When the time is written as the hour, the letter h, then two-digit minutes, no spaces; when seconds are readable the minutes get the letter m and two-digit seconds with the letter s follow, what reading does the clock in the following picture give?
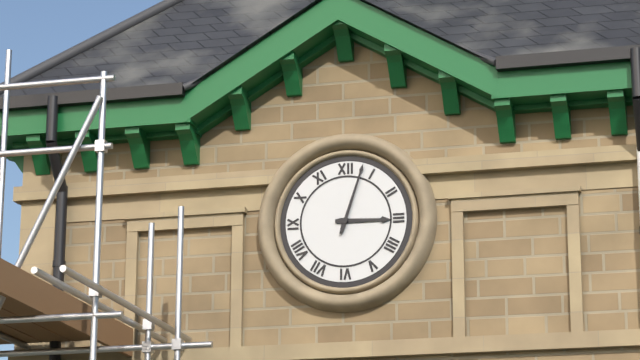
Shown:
3h03
